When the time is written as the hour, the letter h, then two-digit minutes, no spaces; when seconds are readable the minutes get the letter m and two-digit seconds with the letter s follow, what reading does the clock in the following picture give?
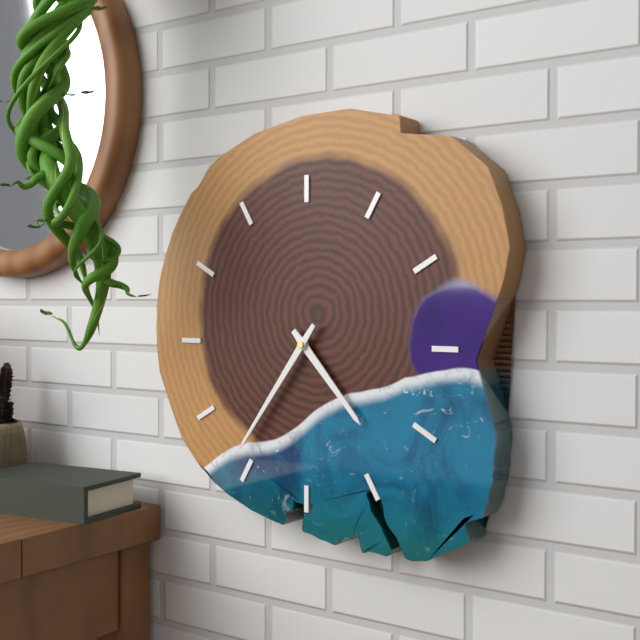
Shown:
4h36
